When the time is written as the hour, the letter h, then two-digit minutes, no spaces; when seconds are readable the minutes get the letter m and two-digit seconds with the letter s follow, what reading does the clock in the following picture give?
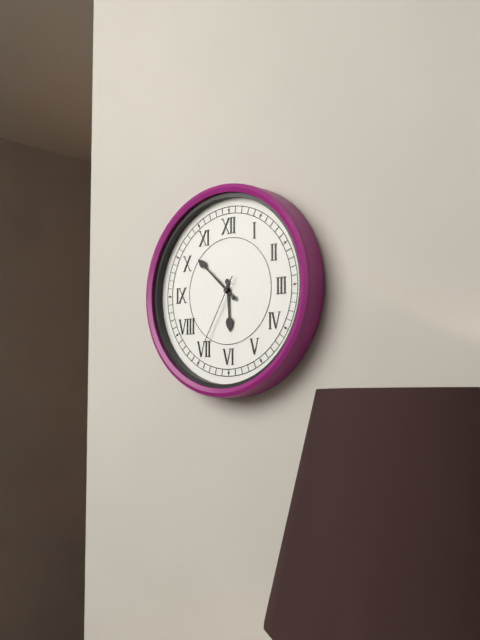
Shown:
5h52m35s
